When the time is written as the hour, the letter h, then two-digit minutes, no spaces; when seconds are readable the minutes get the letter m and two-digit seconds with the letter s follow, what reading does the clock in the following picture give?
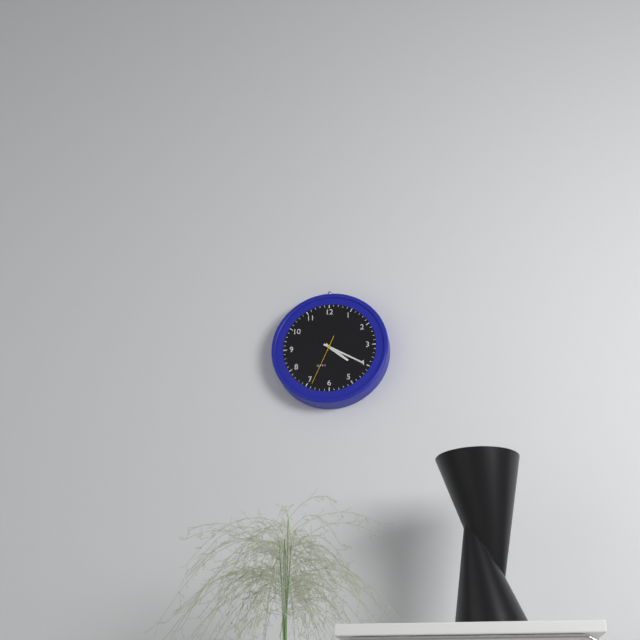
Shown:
4h20m34s
